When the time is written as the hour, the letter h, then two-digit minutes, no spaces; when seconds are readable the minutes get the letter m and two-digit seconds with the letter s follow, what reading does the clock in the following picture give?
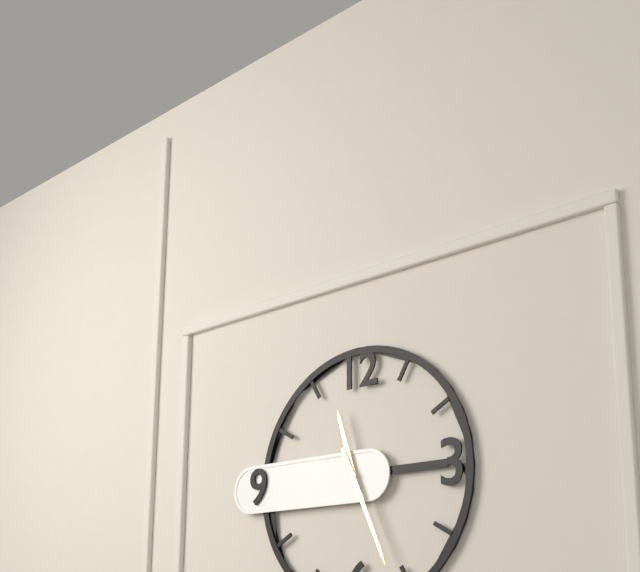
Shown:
11h26
